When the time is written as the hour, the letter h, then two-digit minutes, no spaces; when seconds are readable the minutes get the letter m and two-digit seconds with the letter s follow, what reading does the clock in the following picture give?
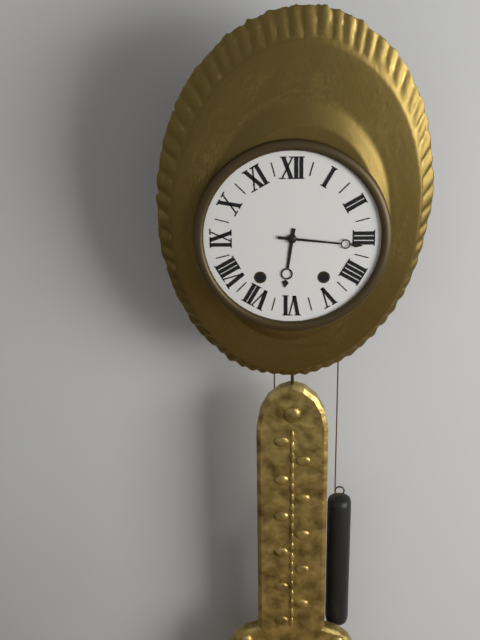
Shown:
6h16
